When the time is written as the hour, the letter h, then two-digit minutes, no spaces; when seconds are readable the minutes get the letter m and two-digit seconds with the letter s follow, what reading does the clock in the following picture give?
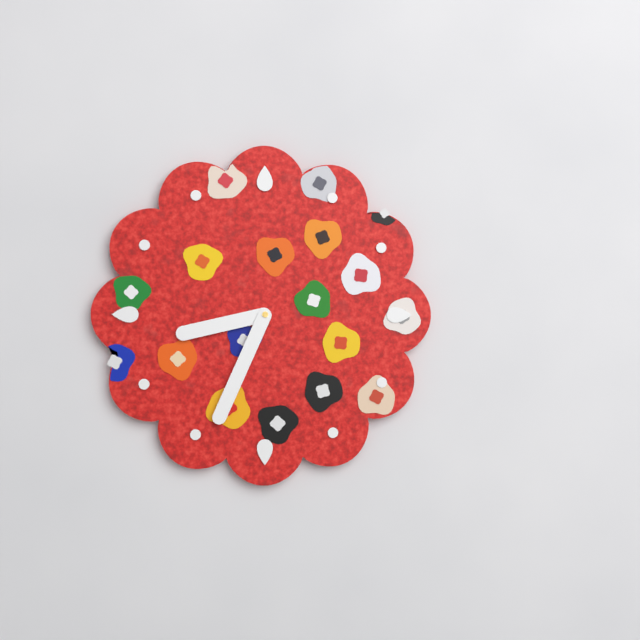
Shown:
8h34
